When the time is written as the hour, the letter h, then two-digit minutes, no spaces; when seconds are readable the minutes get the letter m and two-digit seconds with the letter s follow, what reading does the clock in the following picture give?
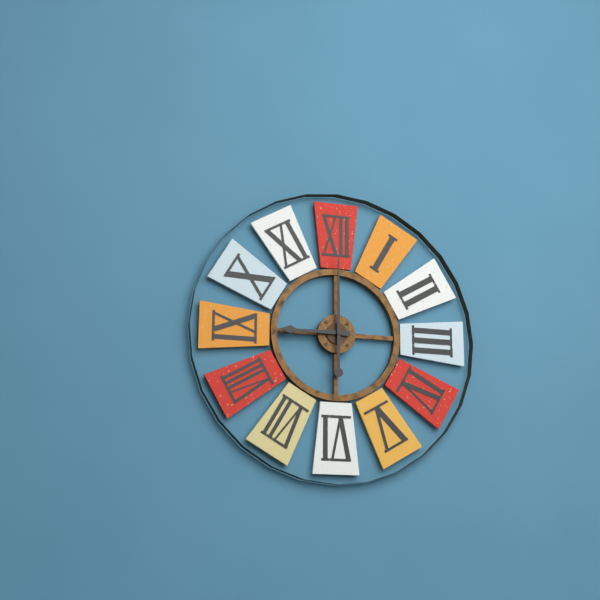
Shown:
9h00
